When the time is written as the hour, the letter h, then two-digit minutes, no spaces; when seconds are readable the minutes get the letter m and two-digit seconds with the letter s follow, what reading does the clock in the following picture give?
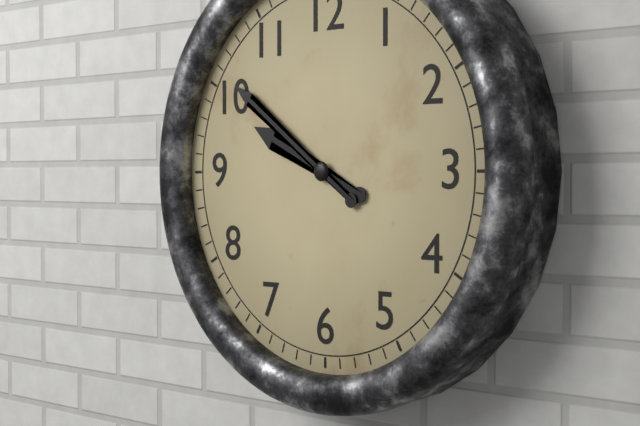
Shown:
9h51
